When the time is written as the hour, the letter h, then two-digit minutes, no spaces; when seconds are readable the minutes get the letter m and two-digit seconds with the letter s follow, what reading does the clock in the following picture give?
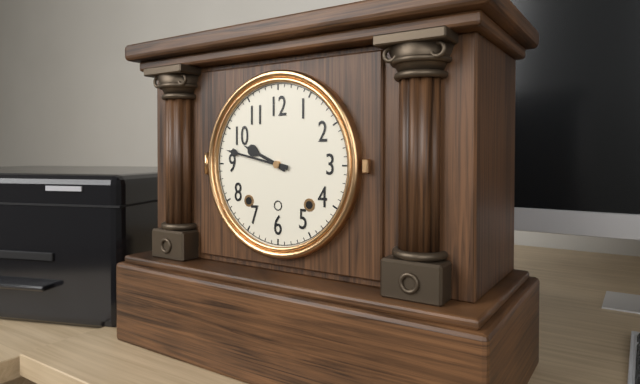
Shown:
9h47
